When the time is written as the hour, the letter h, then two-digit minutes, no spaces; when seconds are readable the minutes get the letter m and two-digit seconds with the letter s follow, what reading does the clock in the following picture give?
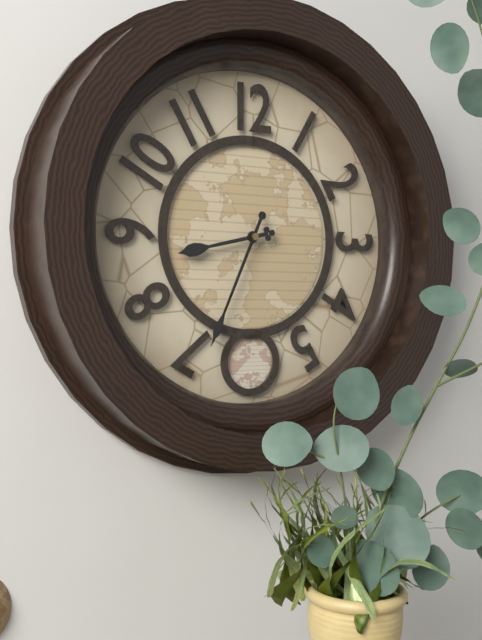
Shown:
8h34
